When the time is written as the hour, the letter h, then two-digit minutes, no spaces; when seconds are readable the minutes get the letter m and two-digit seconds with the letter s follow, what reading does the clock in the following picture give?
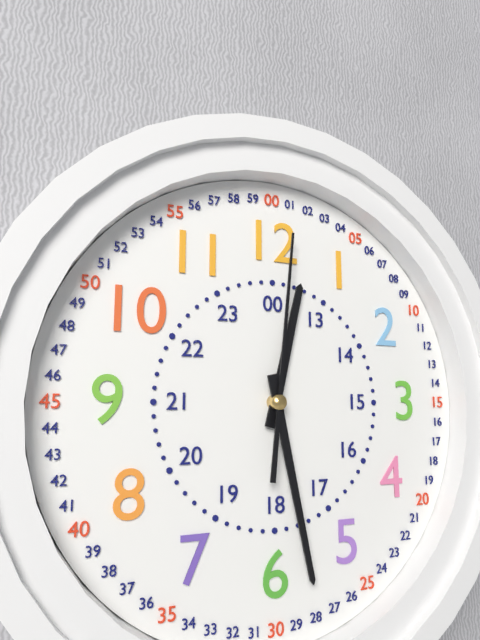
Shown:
12h28m01s
